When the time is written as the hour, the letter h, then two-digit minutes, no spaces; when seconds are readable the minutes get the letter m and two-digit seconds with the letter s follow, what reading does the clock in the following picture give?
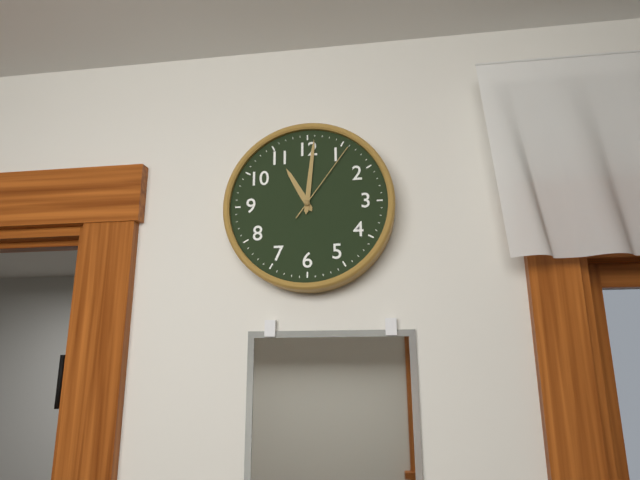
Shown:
11h01m06s
